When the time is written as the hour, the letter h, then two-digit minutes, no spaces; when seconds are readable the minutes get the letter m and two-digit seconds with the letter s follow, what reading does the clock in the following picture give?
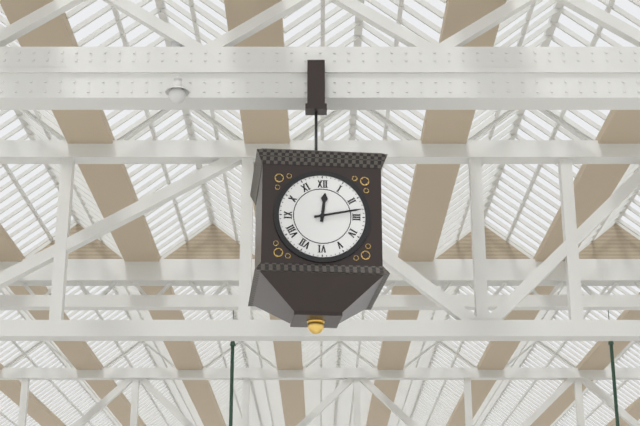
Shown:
12h13
